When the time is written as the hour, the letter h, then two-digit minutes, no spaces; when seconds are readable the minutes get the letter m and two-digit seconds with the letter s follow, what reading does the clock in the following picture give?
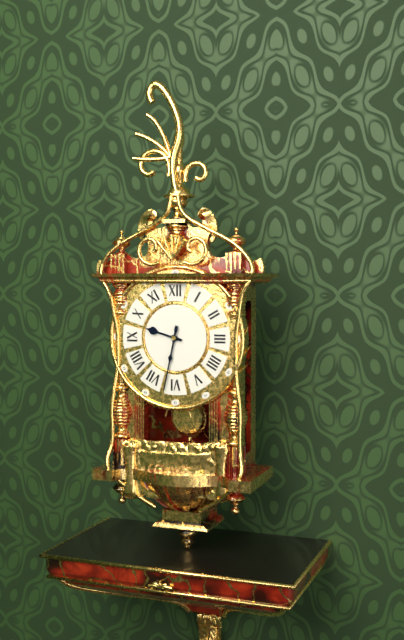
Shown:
9h32
